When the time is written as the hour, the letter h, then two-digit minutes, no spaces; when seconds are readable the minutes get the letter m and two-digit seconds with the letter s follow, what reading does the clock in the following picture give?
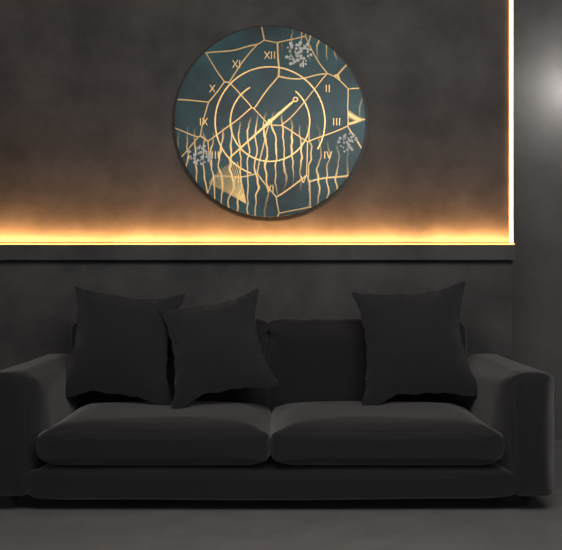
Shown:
1h38
